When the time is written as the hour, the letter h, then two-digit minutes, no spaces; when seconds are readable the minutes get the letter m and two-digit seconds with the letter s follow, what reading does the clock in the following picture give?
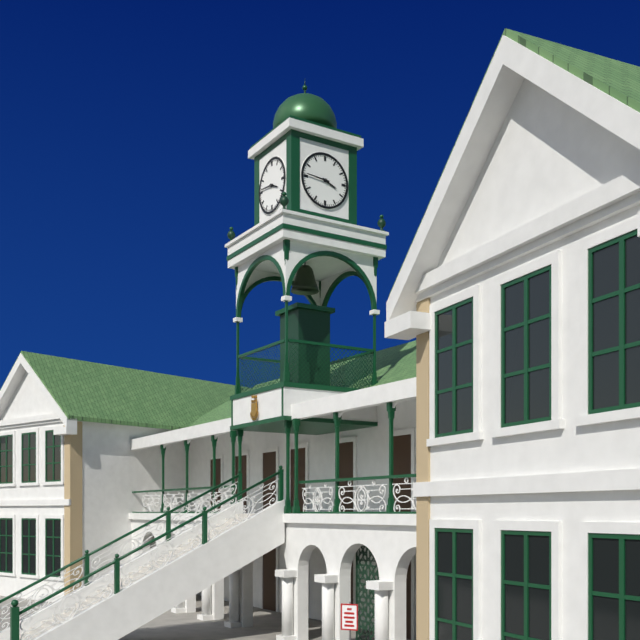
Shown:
3h46
